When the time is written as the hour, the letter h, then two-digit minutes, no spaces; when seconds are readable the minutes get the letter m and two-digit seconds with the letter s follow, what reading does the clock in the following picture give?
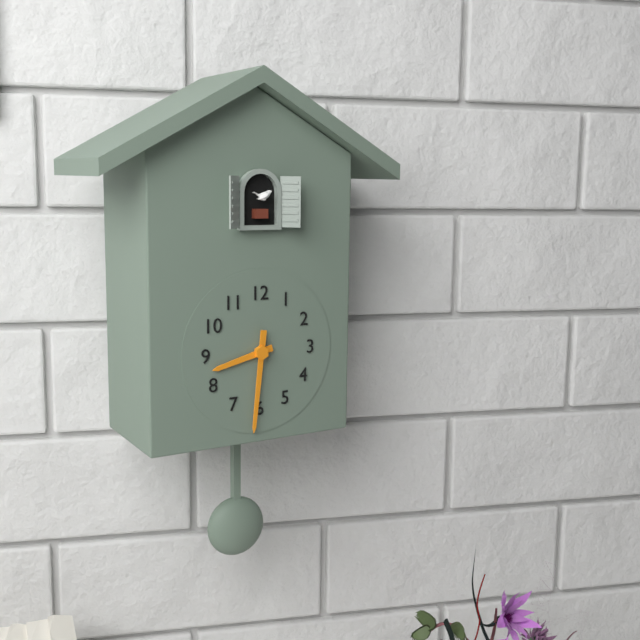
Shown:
8h31
